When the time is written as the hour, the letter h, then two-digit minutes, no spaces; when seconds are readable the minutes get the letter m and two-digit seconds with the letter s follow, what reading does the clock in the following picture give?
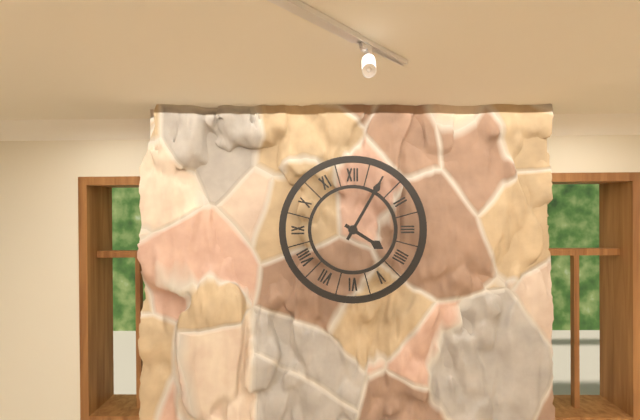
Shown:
4h05
